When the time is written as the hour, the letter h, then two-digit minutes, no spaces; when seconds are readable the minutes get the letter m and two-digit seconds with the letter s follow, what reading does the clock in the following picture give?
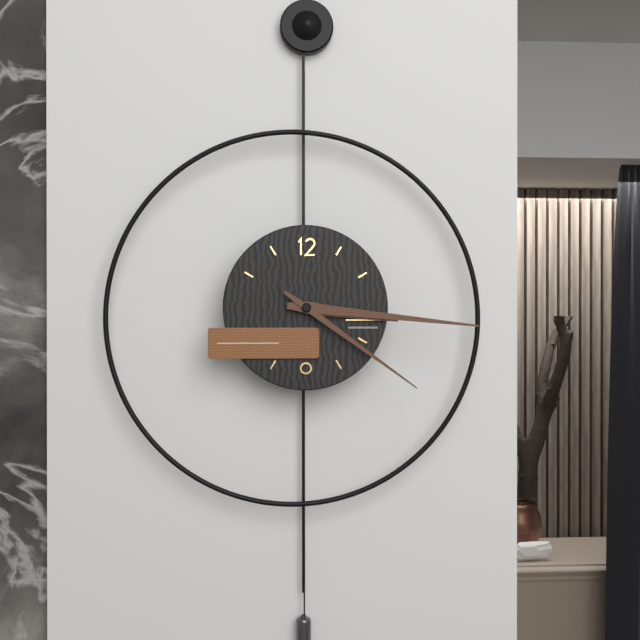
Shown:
3h16m21s
